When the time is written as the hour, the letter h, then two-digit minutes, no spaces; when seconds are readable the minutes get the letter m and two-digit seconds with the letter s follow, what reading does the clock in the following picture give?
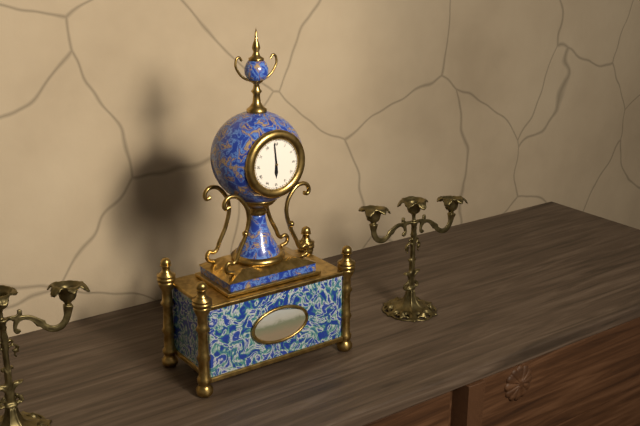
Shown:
5h59
